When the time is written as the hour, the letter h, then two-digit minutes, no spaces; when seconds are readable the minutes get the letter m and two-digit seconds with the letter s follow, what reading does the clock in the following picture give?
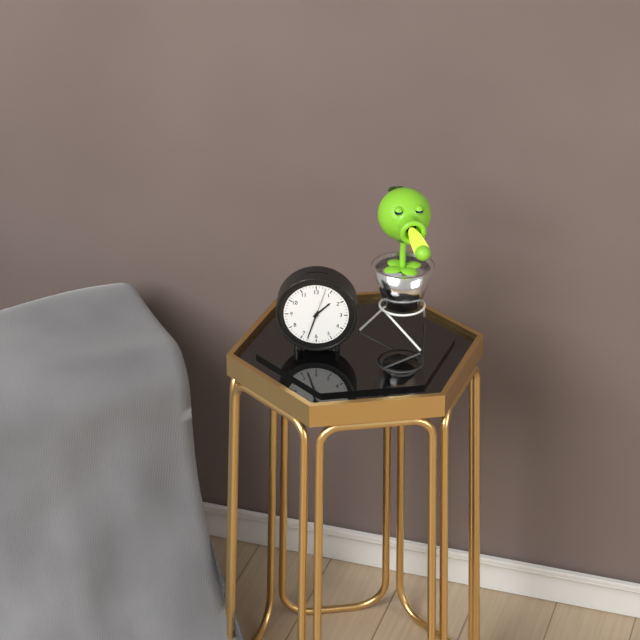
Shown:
1h33
